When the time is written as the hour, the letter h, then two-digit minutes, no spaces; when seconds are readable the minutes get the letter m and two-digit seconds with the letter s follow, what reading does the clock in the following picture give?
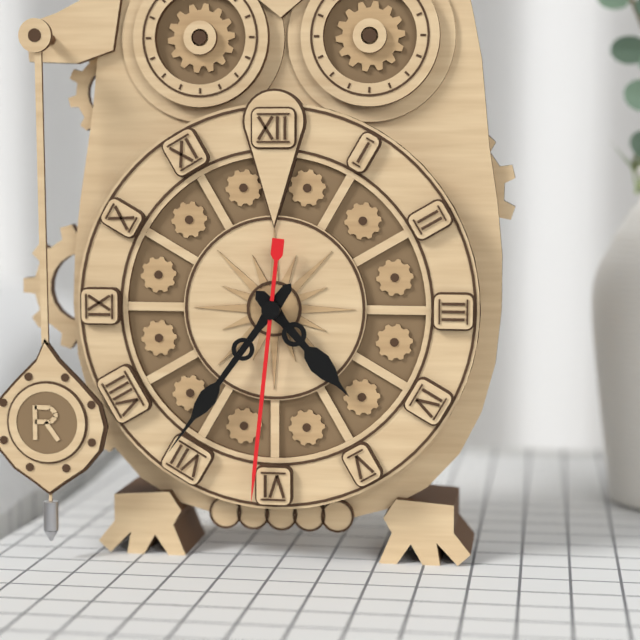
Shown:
4h36m31s
